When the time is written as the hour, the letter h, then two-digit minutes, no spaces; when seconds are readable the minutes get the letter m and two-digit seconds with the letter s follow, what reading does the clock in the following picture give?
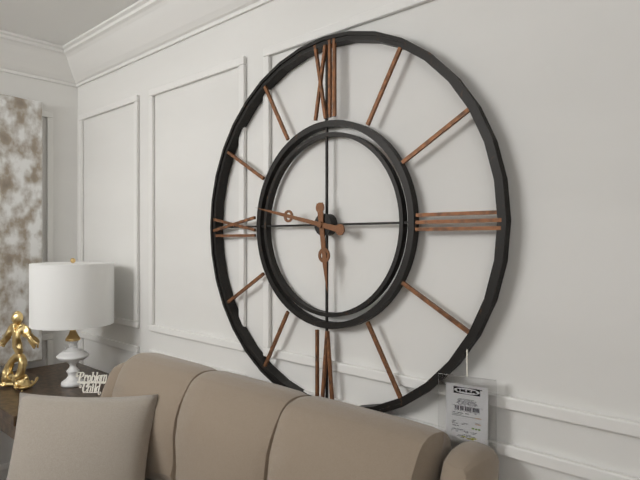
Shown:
5h47
